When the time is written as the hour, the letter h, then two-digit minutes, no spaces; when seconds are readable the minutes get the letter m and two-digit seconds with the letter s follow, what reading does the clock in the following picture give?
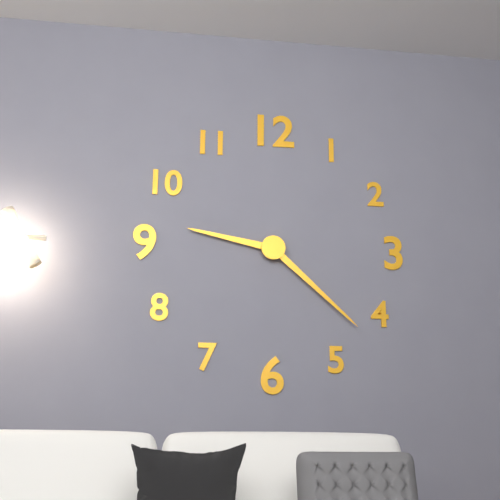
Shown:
9h22
